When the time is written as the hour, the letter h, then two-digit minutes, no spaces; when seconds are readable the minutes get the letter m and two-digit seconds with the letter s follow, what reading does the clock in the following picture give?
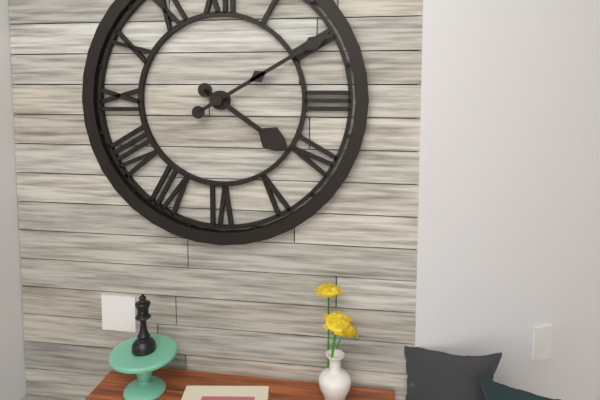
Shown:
4h10
